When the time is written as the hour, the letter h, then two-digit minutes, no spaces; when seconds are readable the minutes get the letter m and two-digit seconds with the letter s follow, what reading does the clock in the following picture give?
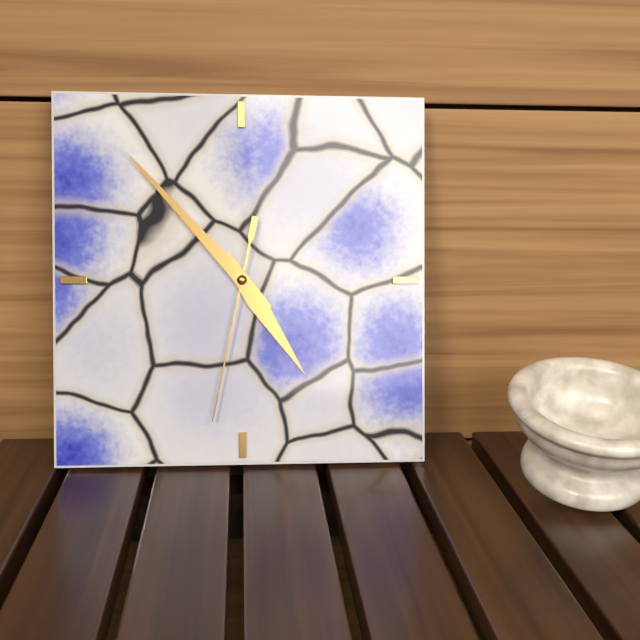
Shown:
4h53m32s
